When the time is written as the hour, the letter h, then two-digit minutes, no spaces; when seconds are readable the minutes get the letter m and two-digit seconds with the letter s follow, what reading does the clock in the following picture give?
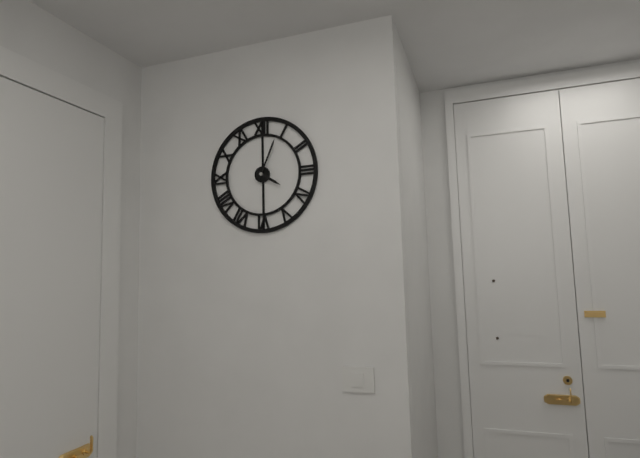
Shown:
4h04
